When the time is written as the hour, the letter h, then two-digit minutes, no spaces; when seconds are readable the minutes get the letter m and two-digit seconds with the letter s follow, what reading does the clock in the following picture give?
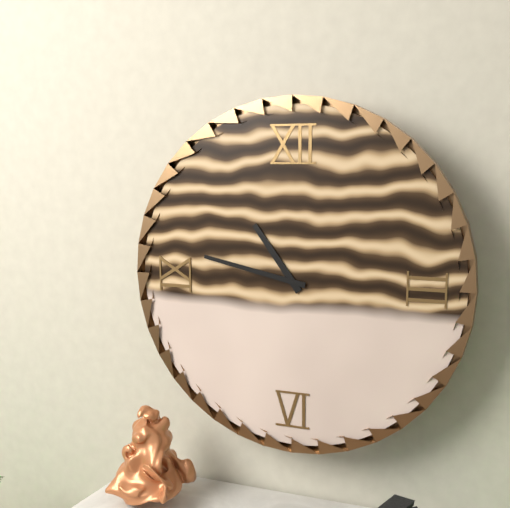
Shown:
10h47
